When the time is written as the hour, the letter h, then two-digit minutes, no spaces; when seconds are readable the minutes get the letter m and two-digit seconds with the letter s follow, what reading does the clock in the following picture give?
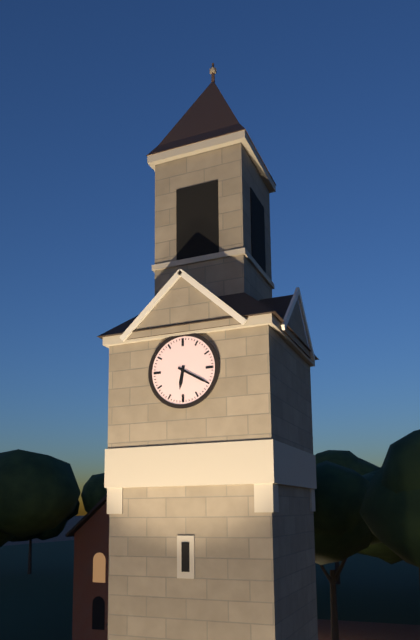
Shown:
6h20
